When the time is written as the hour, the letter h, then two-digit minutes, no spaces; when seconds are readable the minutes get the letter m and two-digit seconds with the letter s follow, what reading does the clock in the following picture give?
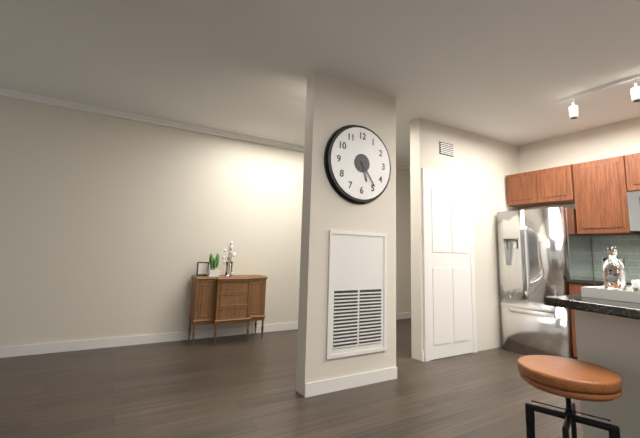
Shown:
5h24
